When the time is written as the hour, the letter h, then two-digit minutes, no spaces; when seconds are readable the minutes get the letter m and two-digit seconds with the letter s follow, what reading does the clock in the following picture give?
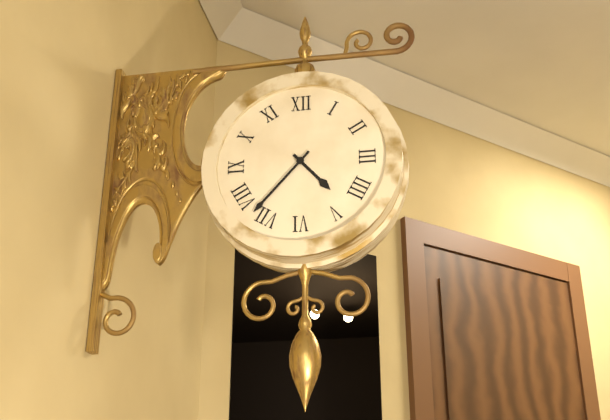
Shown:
4h37
